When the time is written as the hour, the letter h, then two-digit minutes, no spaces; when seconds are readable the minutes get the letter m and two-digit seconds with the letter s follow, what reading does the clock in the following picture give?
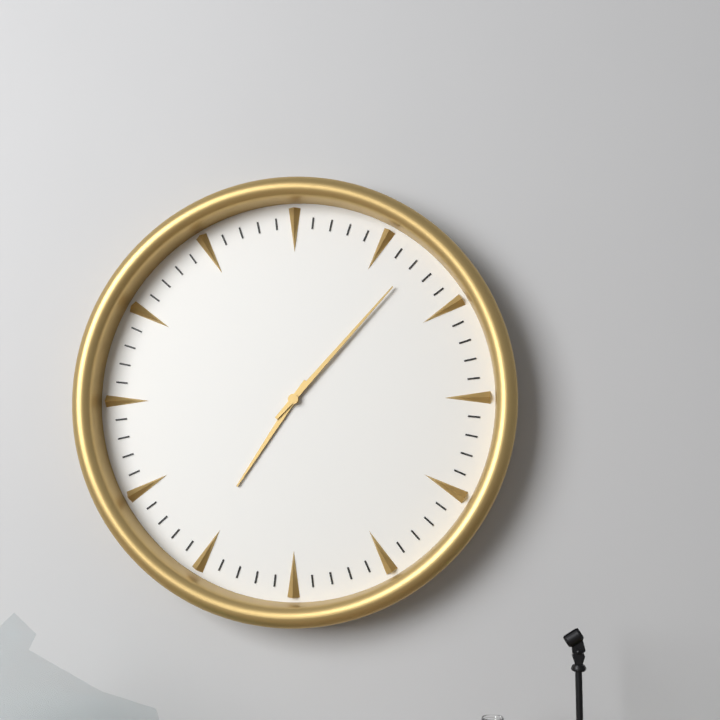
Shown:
7h07
